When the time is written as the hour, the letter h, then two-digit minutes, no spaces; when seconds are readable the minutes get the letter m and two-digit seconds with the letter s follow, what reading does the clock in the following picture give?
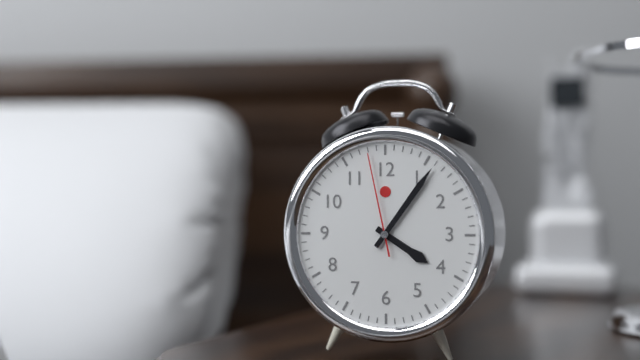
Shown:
4h06m58s
